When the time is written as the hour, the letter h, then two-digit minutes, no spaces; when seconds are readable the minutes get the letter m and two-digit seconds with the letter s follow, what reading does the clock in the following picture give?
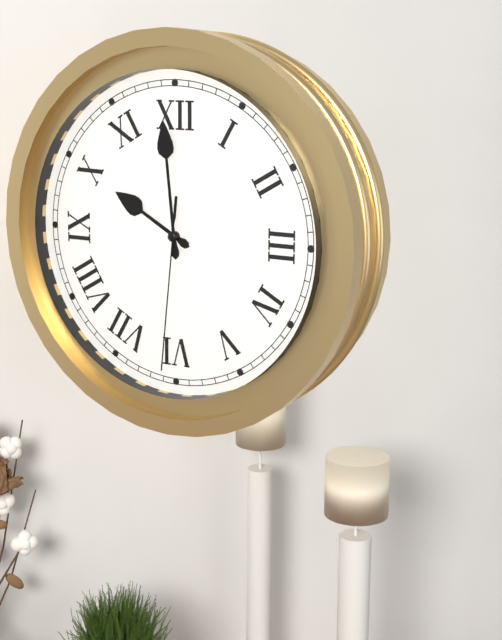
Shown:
9h59m31s
